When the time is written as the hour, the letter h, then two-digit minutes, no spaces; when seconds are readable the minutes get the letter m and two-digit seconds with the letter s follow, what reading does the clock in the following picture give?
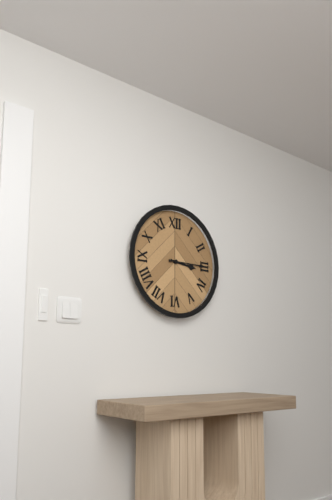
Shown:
3h15
